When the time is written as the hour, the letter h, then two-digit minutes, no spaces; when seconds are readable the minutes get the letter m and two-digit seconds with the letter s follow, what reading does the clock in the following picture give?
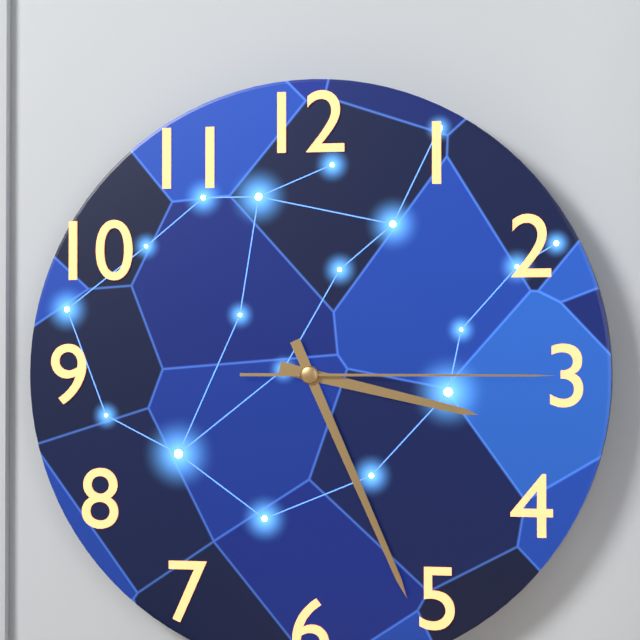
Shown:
3h26m15s
